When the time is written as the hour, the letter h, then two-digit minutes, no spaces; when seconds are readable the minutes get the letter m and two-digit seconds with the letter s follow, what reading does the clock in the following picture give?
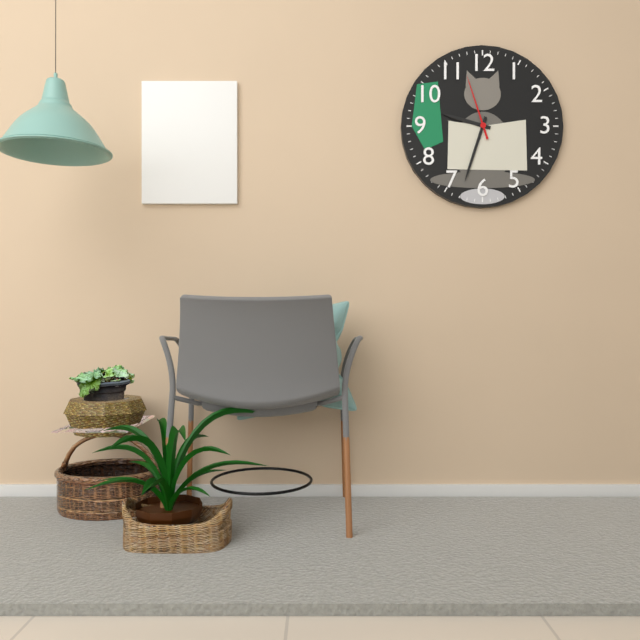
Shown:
9h33m57s
